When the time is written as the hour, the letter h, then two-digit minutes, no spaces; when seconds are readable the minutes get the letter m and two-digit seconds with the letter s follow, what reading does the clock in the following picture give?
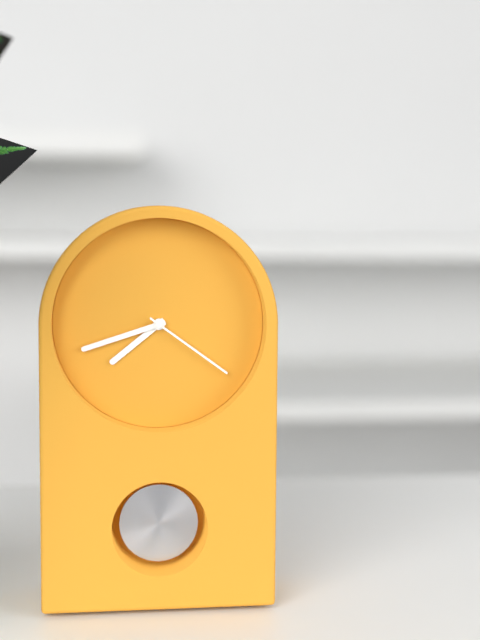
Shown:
7h42m21s
